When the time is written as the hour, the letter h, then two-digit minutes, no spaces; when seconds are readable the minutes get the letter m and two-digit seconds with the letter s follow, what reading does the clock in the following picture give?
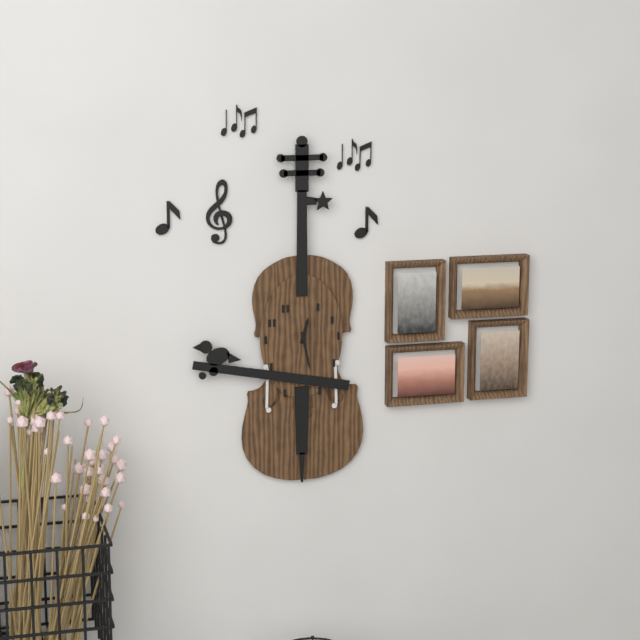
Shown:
12h28
